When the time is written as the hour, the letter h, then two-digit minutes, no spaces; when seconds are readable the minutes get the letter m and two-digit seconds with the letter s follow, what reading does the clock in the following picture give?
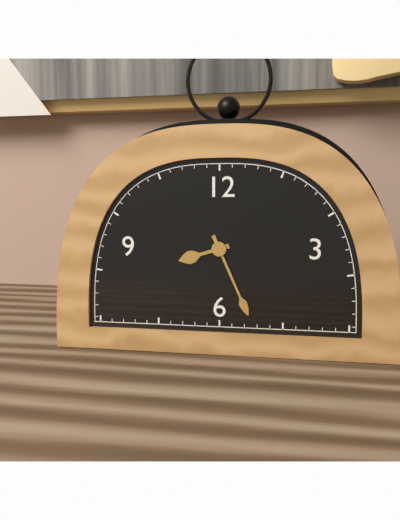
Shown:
8h26
